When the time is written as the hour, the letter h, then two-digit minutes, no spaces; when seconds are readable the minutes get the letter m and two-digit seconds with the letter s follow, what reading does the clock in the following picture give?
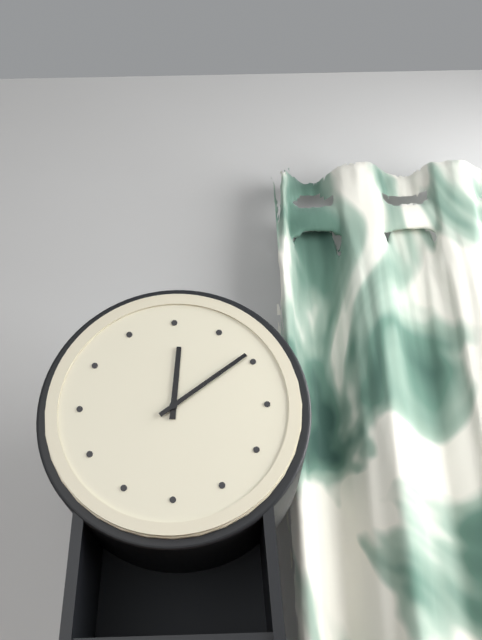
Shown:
12h09
